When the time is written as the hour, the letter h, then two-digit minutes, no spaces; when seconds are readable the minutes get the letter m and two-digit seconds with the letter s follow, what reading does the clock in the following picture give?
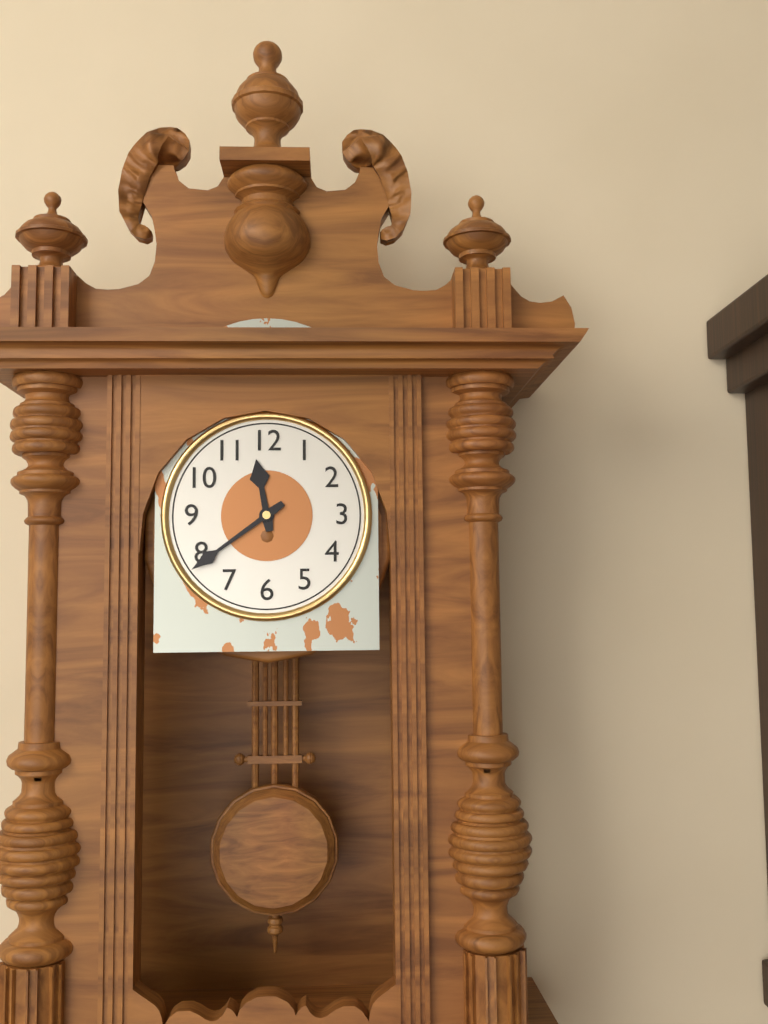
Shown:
11h39
